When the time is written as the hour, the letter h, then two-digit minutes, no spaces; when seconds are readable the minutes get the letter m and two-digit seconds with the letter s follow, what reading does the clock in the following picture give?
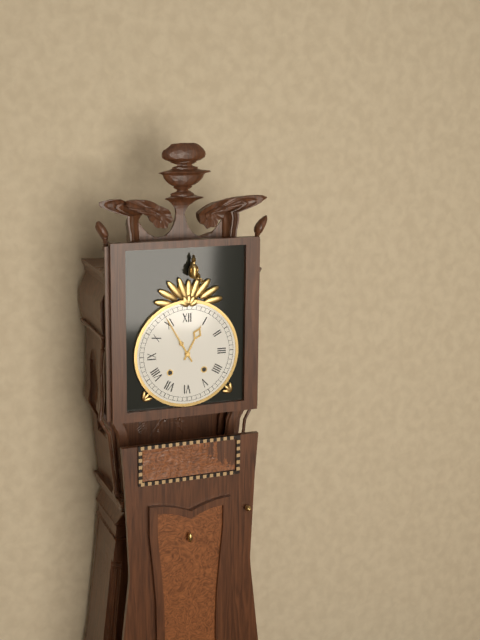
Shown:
12h55
